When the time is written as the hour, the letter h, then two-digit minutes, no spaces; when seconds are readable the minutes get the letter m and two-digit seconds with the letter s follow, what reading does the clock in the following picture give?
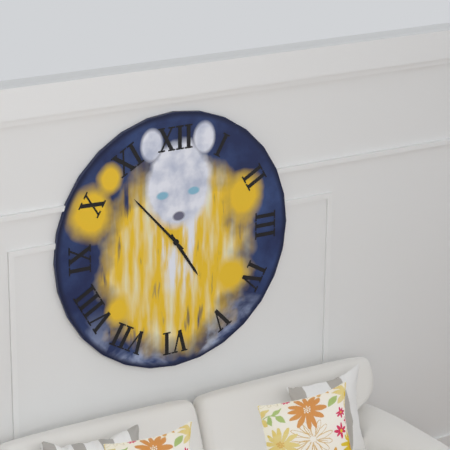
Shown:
4h53
